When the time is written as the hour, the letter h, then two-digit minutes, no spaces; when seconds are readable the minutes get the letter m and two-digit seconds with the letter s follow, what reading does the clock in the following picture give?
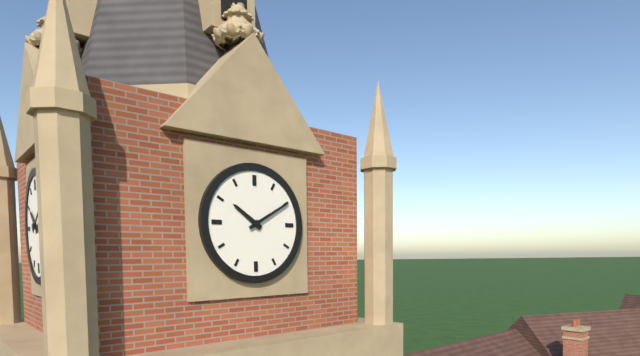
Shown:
10h10
